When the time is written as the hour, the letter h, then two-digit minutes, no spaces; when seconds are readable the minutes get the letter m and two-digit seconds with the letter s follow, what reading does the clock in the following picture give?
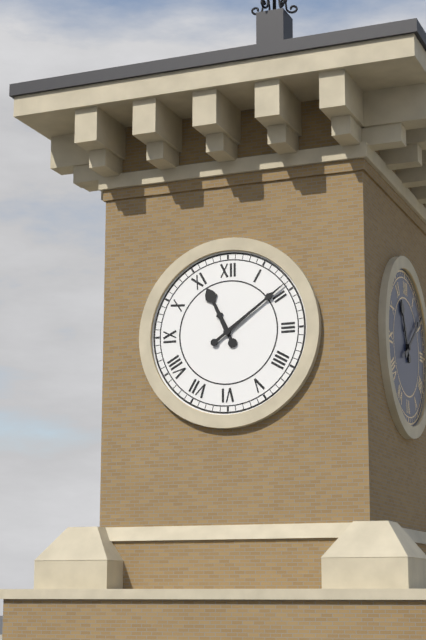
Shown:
11h09
